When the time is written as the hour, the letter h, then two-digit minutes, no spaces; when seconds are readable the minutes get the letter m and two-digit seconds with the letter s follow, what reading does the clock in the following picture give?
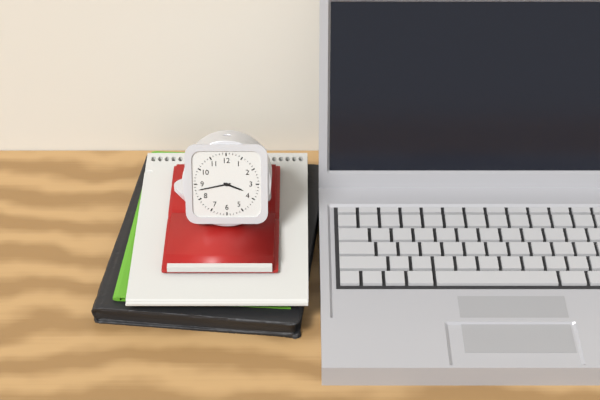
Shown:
3h43
